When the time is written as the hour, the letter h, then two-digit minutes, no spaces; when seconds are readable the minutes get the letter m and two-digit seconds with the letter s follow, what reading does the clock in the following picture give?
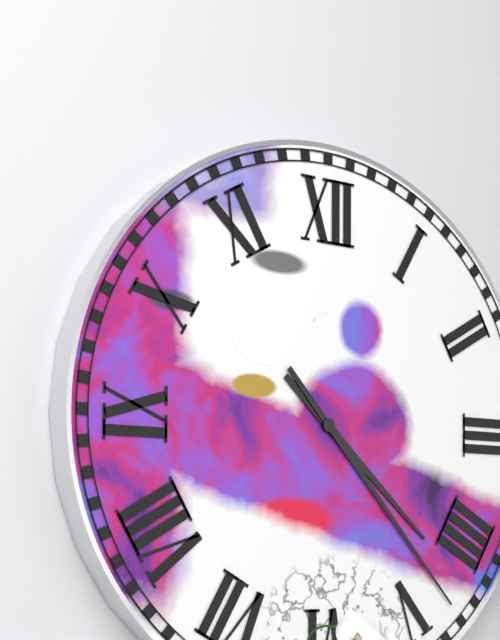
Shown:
4h23
